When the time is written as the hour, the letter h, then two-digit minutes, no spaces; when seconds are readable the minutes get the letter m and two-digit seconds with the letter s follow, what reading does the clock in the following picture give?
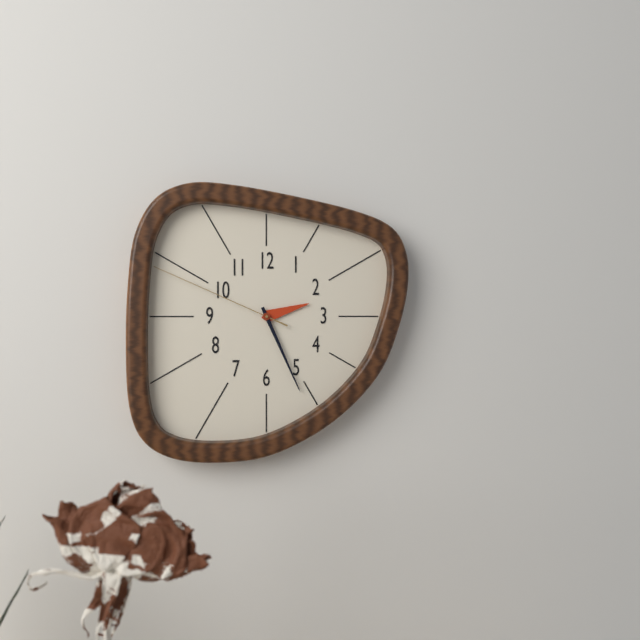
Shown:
2h26m49s
